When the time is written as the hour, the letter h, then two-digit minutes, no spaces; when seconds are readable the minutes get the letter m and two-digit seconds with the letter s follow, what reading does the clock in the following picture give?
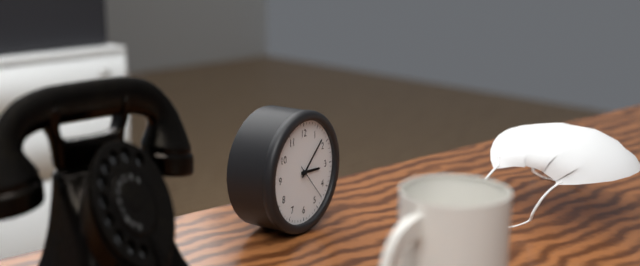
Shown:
3h08
